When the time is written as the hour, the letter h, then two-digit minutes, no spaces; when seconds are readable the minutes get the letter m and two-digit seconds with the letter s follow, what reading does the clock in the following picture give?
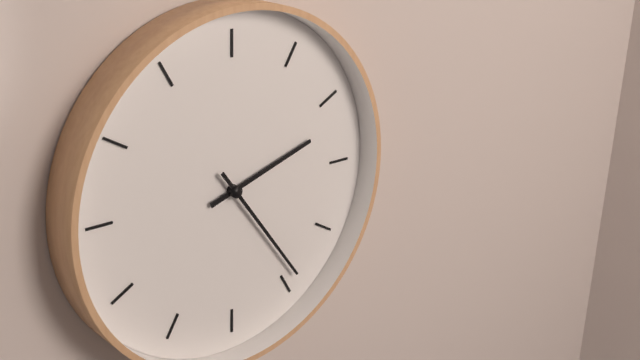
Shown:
2h24
